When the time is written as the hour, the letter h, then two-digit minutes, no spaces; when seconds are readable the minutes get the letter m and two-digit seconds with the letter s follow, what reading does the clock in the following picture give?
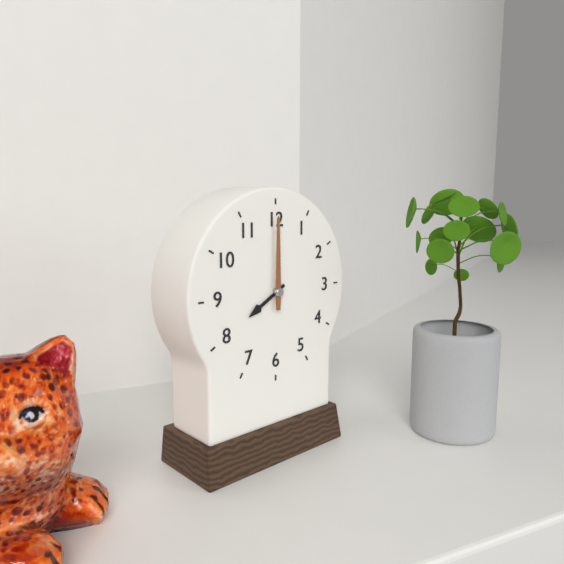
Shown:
8h00
